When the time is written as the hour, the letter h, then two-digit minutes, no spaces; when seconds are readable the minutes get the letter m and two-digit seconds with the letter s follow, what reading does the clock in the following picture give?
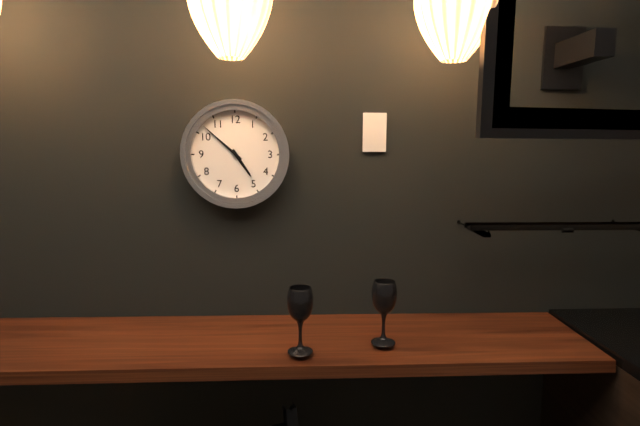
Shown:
4h52
